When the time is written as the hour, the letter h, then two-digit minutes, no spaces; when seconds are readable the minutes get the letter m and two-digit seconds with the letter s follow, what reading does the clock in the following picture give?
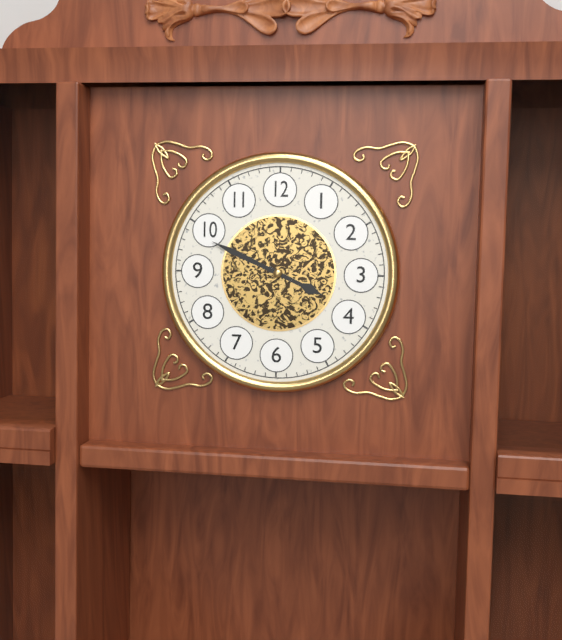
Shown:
3h49
